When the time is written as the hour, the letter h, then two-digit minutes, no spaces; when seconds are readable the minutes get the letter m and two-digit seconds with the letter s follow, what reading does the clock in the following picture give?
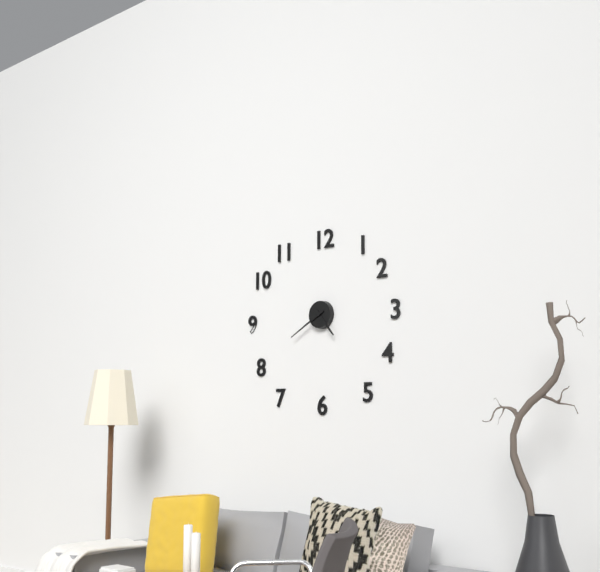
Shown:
4h40
